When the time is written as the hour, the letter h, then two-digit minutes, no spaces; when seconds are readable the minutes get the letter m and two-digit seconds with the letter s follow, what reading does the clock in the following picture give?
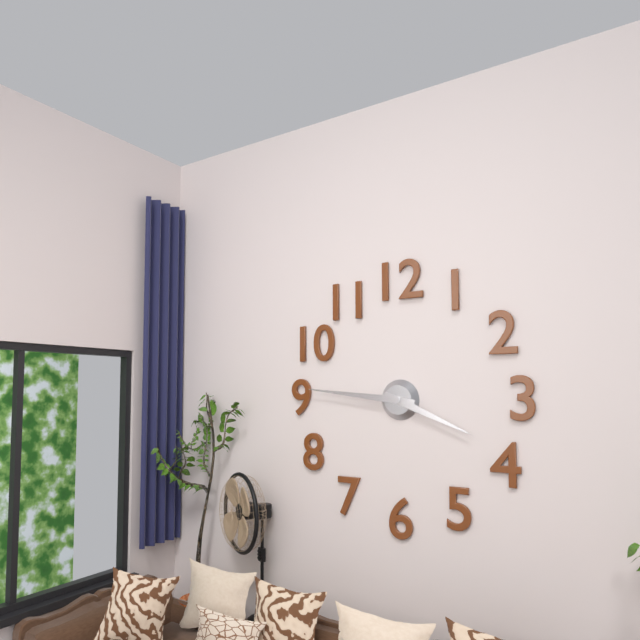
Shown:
3h46
